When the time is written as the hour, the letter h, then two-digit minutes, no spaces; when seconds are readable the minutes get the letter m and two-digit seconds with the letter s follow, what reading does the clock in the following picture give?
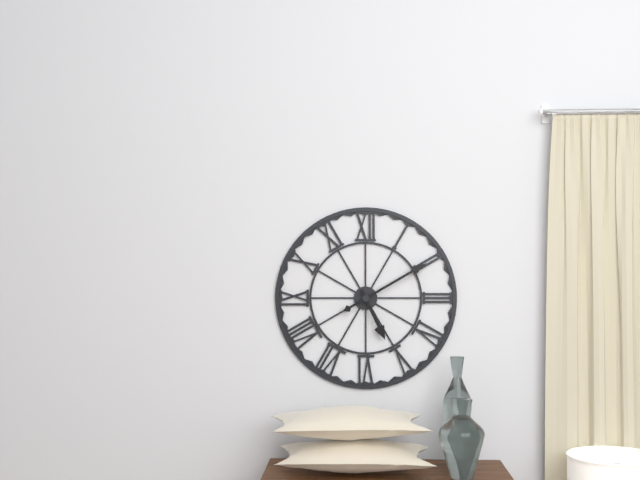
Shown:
5h10
